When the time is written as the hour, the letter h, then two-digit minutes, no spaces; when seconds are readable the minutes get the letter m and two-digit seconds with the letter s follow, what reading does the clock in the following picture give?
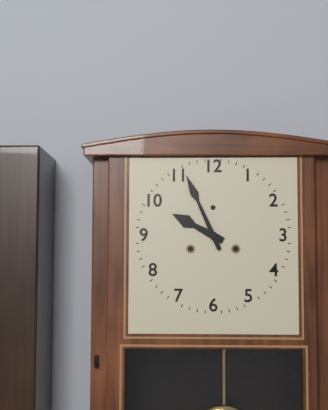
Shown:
9h56
